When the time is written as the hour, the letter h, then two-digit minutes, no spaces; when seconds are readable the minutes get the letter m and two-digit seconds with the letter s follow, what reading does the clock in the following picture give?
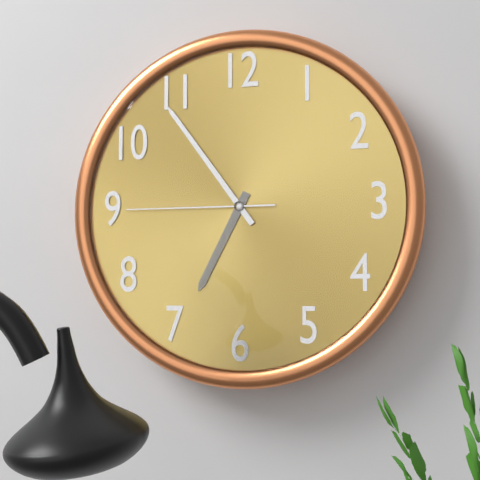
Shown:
6h54m45s
